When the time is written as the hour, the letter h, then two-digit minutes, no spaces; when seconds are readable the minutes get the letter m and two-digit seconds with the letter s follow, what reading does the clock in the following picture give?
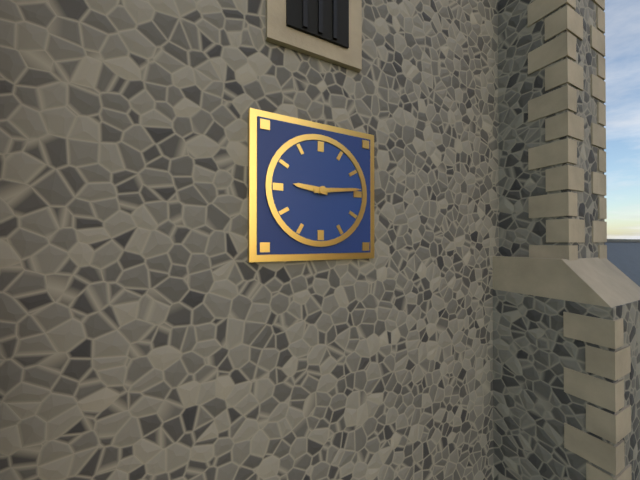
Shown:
9h14
